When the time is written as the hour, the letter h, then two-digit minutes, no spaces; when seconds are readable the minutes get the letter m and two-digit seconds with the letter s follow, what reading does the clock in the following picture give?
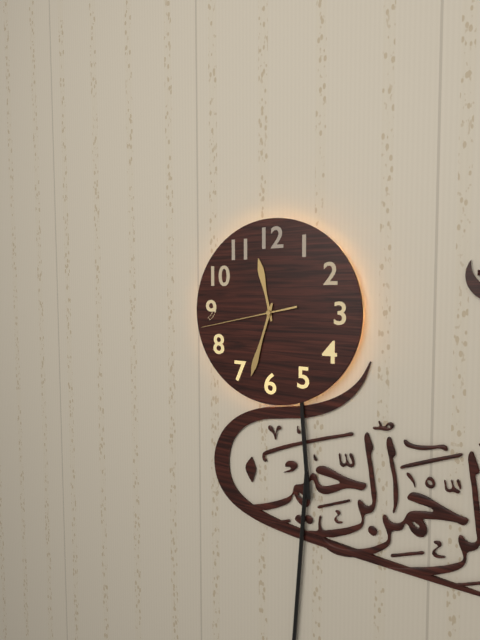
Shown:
11h33m43s
